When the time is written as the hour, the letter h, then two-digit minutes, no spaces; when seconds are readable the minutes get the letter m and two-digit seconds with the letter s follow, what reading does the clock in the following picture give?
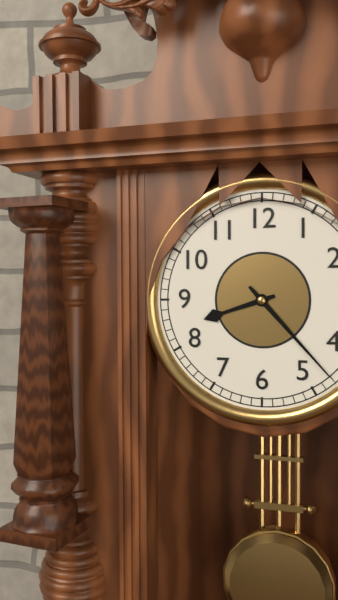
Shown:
8h23
